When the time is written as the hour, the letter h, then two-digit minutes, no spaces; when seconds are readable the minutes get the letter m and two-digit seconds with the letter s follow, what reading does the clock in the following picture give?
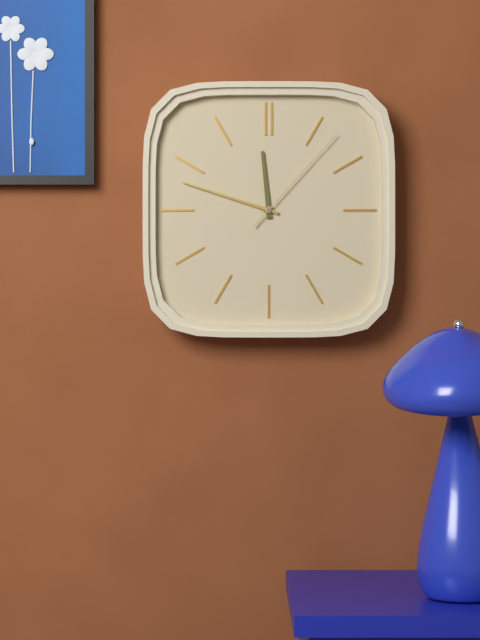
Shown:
11h48m07s
